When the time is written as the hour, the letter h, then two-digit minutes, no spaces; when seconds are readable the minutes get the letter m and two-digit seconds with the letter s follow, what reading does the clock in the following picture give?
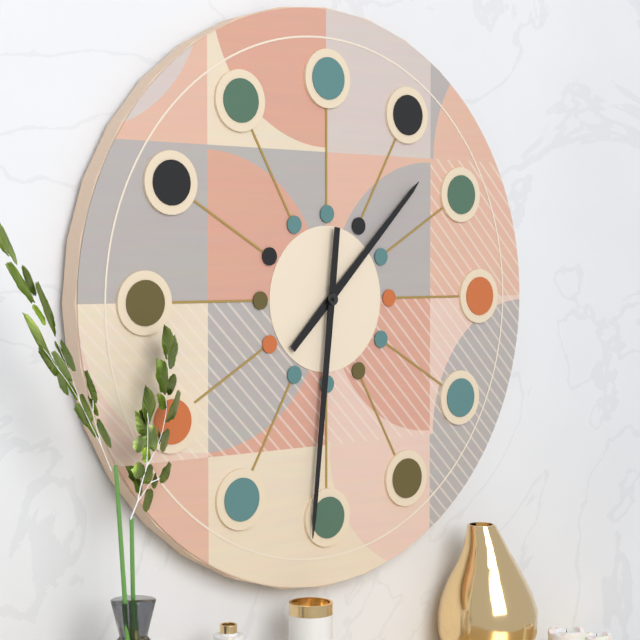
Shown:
1h31
